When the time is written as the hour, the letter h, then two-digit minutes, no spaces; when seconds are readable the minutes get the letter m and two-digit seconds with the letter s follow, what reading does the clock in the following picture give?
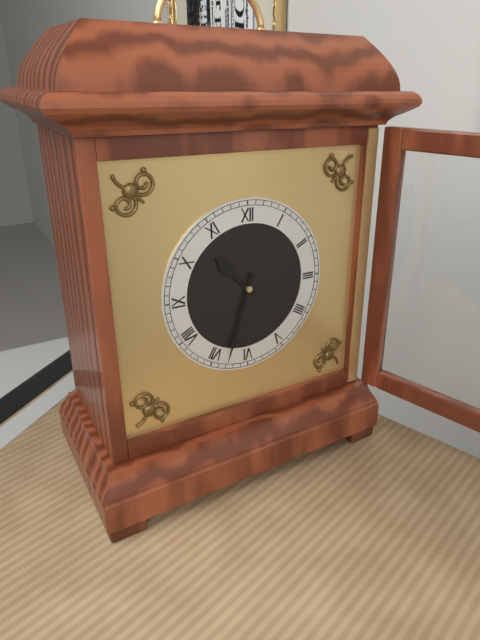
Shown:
10h33
